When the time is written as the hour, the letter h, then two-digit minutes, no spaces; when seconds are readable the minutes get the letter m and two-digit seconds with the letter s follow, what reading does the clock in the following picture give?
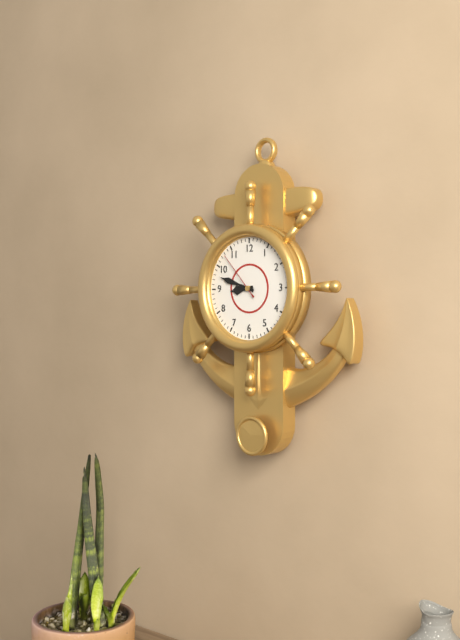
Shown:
8h48m53s
